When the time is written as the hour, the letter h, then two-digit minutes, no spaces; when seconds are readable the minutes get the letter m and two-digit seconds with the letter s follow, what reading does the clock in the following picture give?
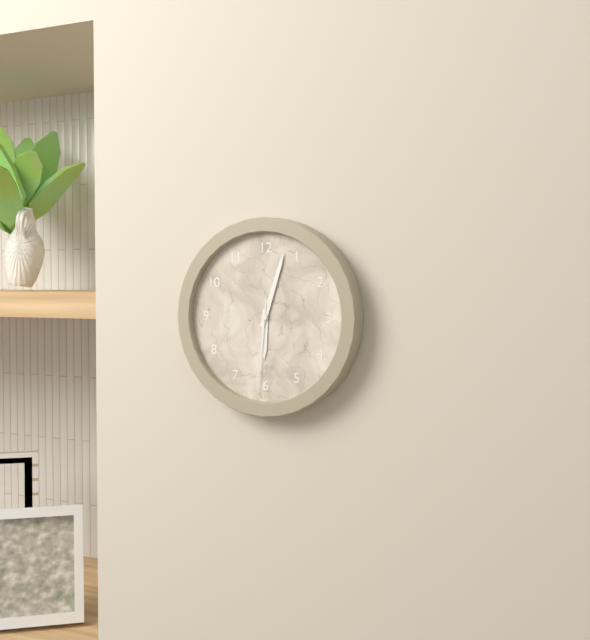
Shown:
6h03m31s
